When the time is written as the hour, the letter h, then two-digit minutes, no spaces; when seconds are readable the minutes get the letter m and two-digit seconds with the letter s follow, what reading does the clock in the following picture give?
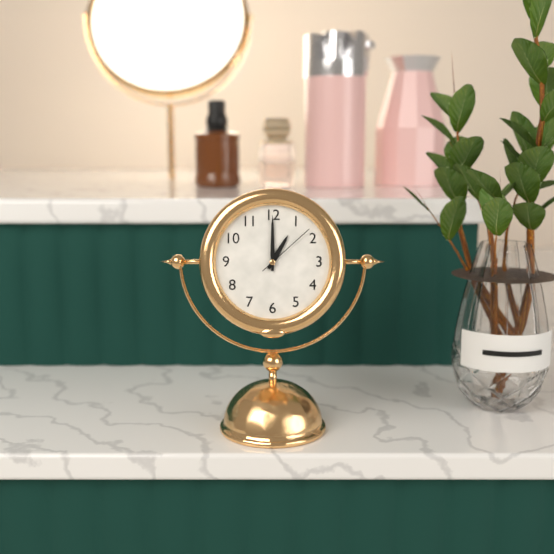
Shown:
1h00m08s
